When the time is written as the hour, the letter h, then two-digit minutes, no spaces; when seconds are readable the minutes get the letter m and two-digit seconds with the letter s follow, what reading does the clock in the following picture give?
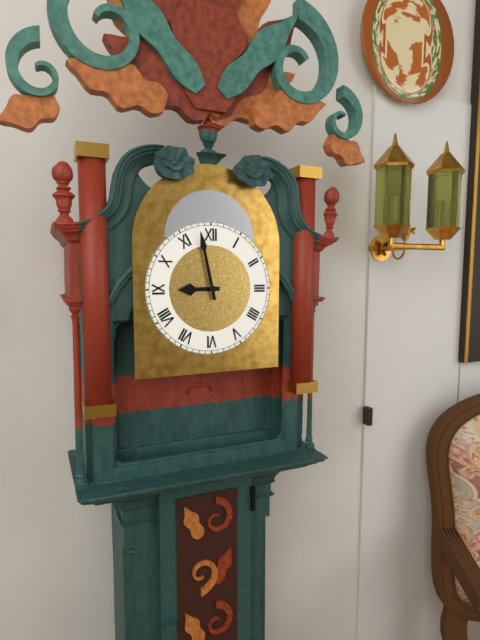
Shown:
8h58
